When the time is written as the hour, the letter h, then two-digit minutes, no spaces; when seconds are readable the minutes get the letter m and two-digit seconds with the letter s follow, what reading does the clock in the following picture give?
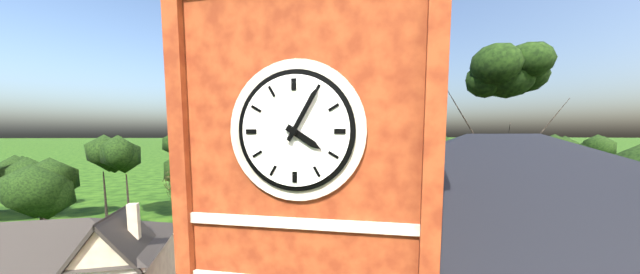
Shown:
4h05
